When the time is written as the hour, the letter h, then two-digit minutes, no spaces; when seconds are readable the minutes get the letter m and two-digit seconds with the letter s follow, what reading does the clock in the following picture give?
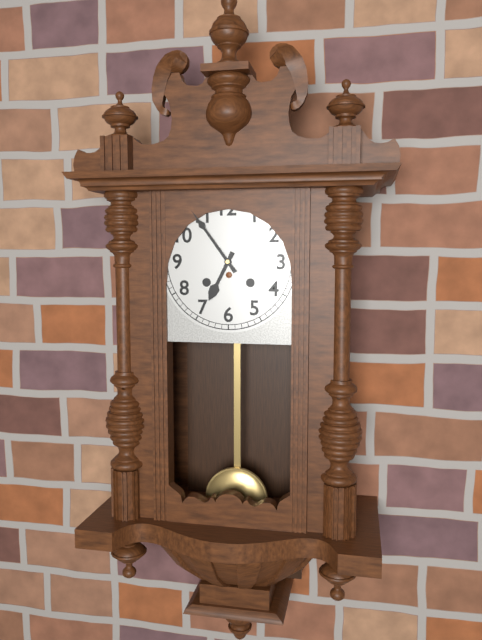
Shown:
6h54
